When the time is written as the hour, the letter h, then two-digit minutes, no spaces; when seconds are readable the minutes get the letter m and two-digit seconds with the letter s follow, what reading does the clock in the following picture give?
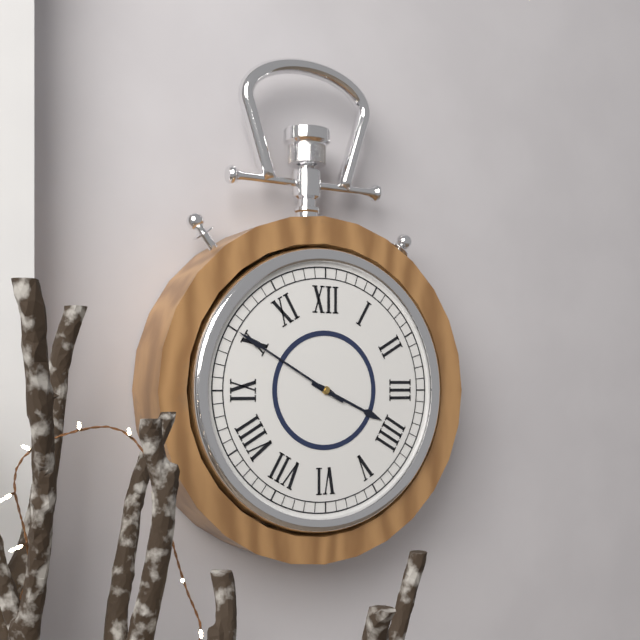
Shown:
3h50
